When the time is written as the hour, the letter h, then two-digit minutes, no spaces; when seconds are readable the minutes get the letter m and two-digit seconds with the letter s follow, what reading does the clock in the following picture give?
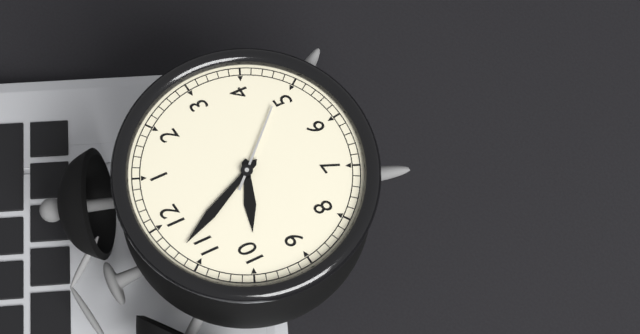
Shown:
9h57m24s
